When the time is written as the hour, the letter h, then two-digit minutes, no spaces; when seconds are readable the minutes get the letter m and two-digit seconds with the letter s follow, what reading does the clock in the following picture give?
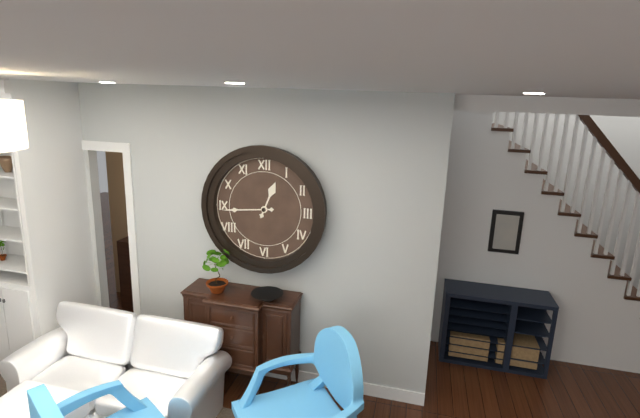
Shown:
12h44
